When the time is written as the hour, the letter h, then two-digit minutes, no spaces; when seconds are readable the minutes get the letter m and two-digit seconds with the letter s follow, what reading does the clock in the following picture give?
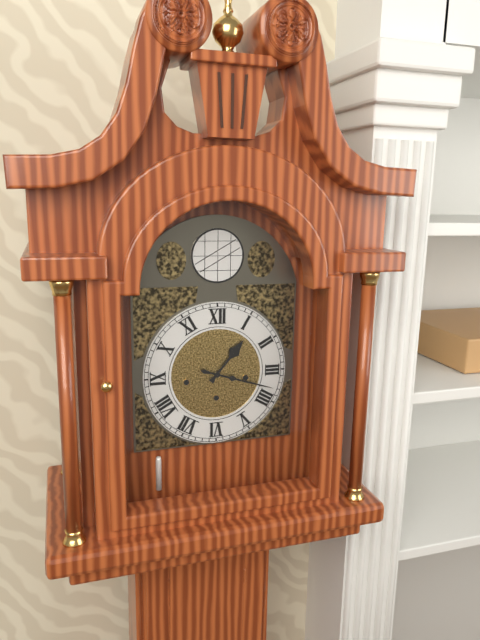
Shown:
1h18
